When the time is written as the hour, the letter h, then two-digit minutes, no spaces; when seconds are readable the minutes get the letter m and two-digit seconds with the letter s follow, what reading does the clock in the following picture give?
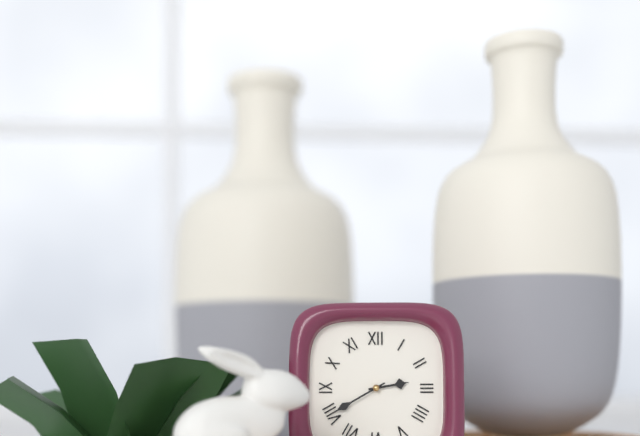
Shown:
2h40
